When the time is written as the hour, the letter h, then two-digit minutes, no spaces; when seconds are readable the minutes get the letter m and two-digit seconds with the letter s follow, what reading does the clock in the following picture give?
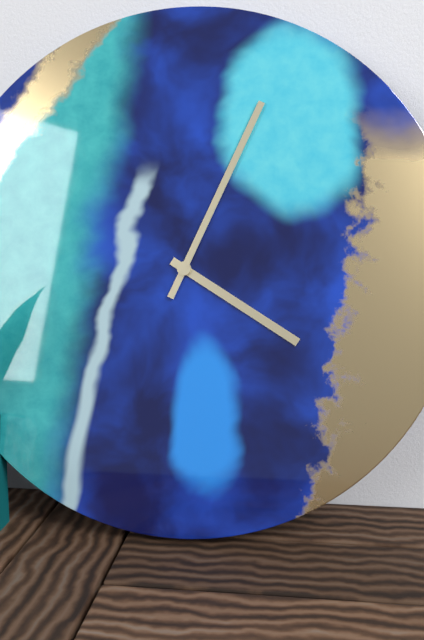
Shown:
4h04
